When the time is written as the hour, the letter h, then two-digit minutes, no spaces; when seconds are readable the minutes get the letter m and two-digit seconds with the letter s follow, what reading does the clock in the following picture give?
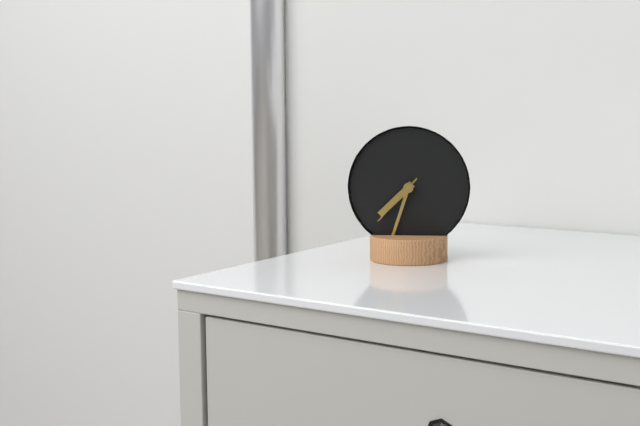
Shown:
7h33m37s
